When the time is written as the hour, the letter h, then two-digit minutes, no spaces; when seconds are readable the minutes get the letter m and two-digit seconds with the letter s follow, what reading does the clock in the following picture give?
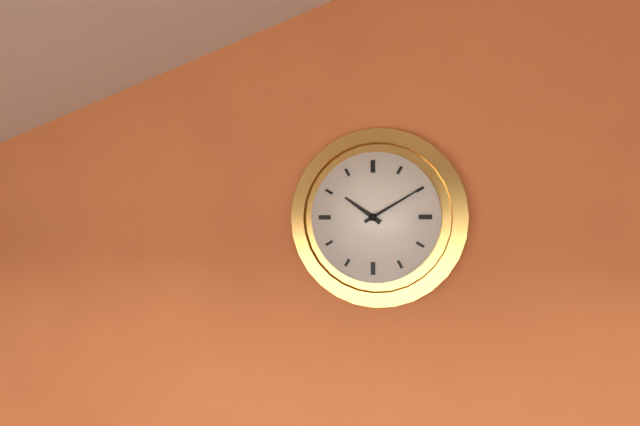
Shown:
10h10
